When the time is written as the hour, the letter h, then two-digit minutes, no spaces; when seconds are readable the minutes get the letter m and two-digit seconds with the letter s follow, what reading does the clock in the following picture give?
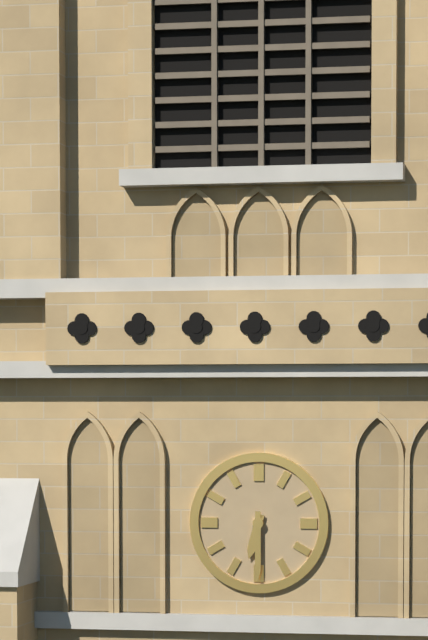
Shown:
6h30
